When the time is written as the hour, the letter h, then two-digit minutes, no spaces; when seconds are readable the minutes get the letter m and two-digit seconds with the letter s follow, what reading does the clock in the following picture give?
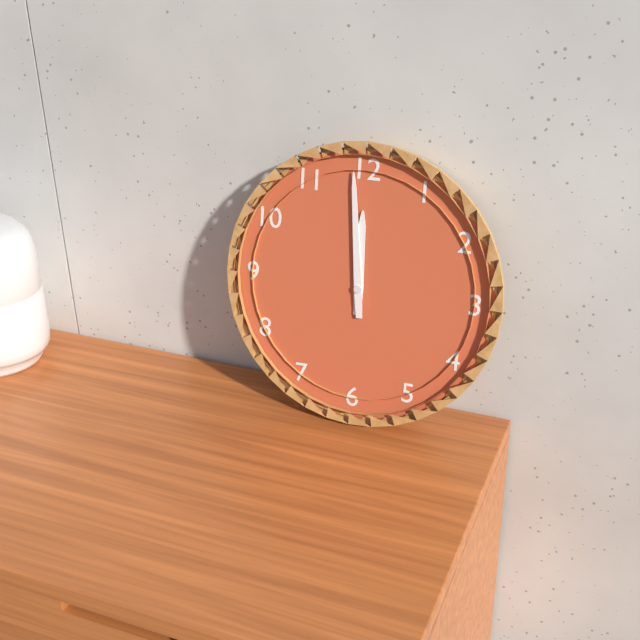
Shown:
11h59
